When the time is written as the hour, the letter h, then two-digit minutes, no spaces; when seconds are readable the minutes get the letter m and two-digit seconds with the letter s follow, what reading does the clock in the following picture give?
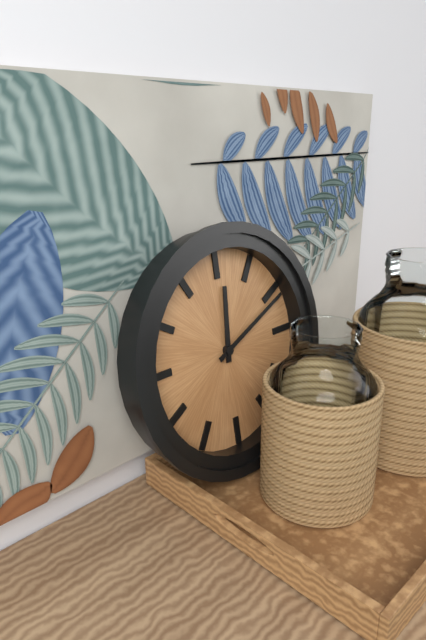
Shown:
12h11
